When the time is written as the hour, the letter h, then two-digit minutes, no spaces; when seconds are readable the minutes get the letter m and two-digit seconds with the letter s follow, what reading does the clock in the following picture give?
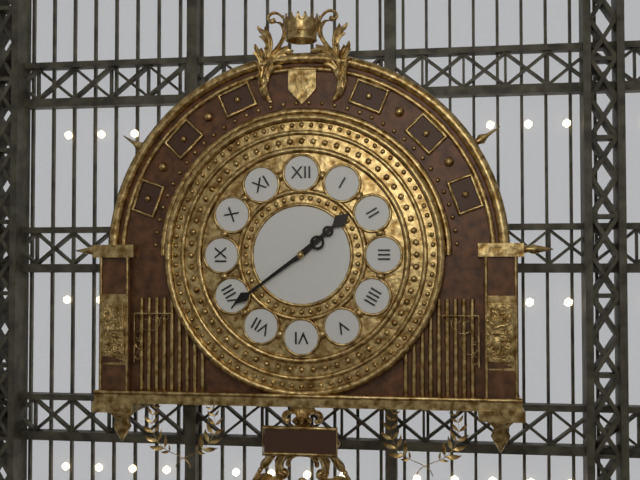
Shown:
1h39
